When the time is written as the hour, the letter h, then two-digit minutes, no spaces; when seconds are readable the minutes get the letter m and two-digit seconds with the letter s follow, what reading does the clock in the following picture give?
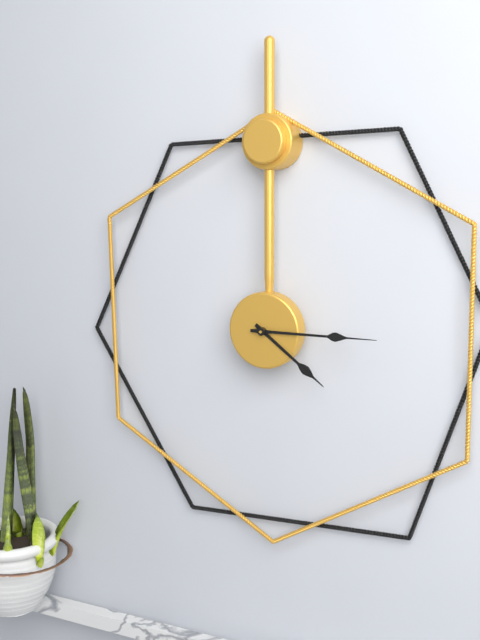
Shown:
4h15
